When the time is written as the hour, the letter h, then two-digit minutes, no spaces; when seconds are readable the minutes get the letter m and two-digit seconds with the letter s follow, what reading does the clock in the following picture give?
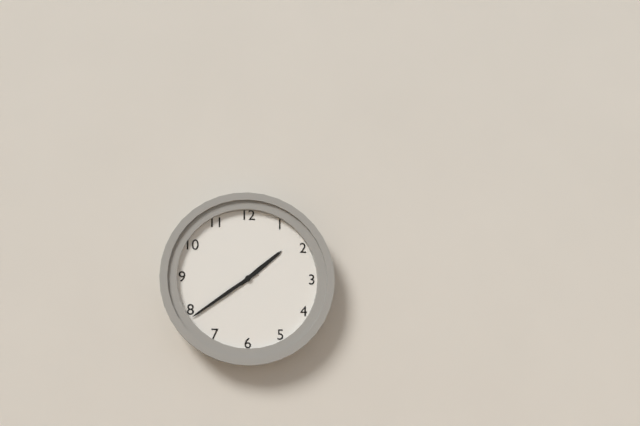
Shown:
1h39
